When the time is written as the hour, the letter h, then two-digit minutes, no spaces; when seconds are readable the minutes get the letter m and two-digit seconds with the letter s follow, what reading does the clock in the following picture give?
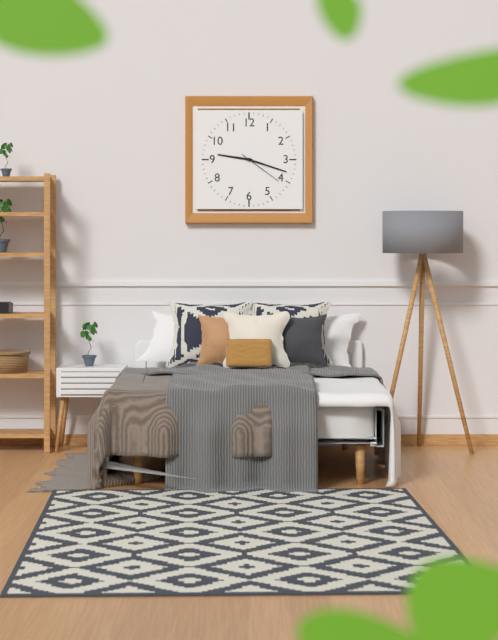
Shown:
9h18
